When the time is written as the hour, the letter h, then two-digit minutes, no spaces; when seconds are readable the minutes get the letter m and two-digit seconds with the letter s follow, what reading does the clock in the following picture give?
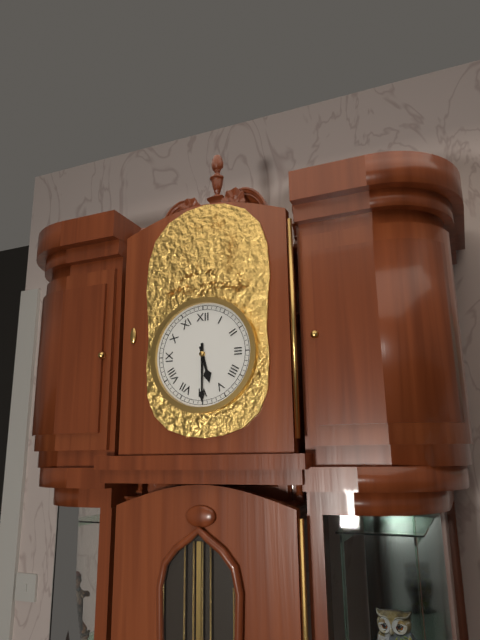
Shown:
5h30
